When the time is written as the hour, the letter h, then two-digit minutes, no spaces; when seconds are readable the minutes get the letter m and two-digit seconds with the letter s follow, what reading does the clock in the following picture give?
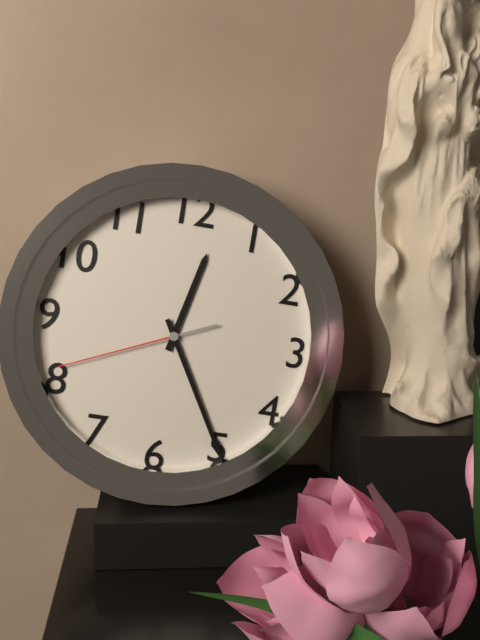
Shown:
12h25m41s
